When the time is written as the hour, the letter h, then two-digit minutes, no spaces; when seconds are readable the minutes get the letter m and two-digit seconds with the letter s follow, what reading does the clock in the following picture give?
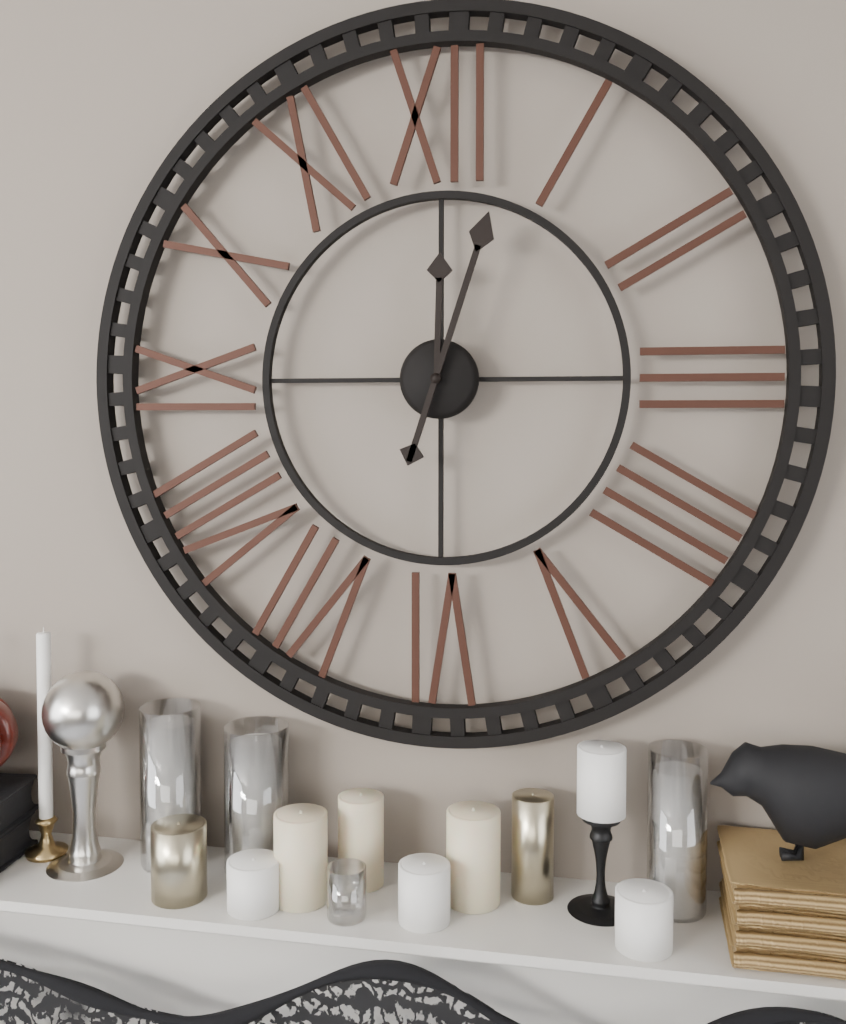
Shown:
12h03
